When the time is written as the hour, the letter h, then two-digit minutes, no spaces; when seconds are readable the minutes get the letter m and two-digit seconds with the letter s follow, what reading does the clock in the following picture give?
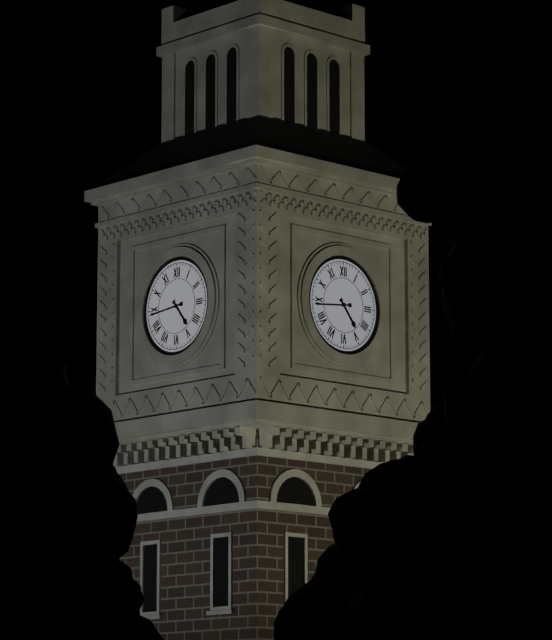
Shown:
4h44
